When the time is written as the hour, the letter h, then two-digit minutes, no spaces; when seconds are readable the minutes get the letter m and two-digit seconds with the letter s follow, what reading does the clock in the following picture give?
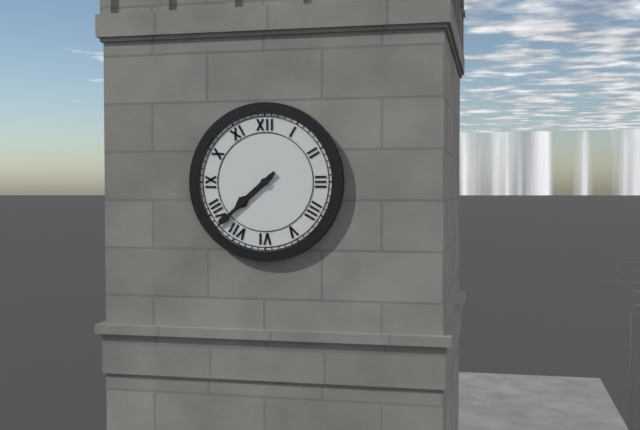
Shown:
7h38
